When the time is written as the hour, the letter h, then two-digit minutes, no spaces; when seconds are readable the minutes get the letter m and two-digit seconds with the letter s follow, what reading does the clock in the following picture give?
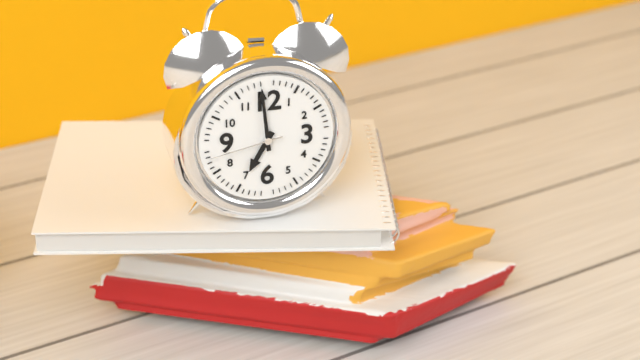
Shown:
6h59m43s
